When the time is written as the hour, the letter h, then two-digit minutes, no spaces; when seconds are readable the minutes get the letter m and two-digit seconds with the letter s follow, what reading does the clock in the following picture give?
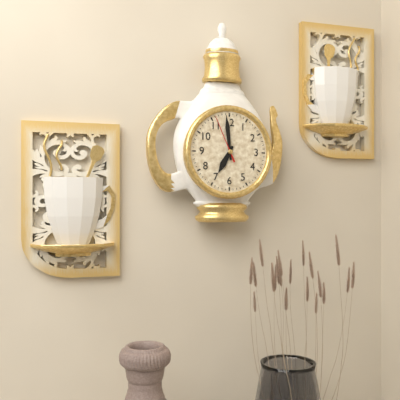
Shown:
6h59
